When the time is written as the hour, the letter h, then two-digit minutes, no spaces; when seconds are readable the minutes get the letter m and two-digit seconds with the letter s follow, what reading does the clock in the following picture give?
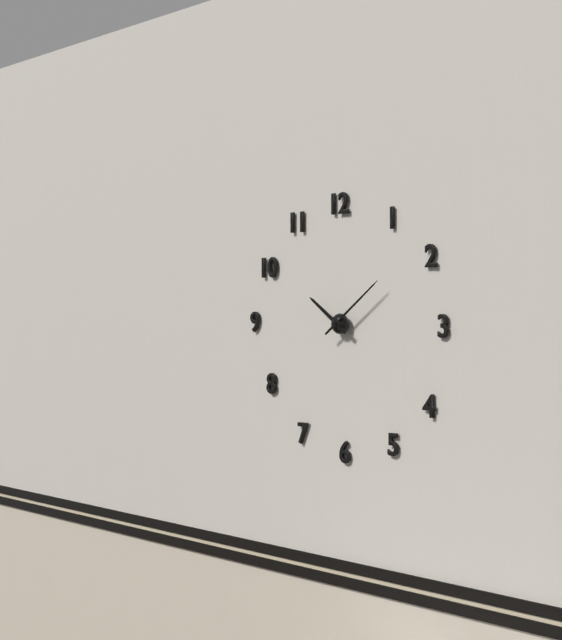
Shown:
10h09
